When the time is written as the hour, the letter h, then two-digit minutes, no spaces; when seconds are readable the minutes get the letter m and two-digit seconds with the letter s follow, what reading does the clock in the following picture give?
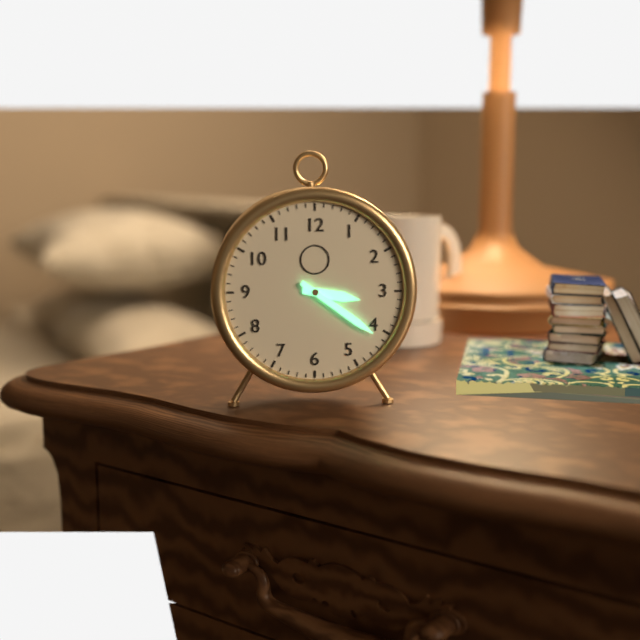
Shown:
3h21
